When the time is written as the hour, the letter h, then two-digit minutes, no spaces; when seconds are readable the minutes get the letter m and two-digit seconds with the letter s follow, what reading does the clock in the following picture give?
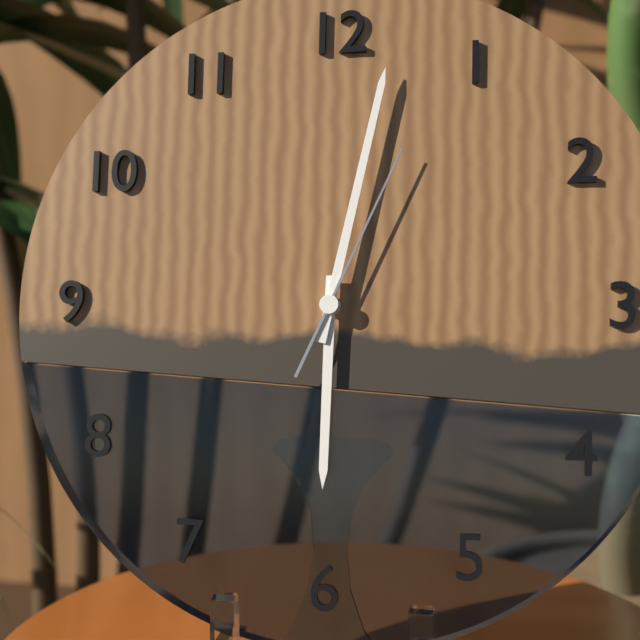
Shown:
6h02m04s
